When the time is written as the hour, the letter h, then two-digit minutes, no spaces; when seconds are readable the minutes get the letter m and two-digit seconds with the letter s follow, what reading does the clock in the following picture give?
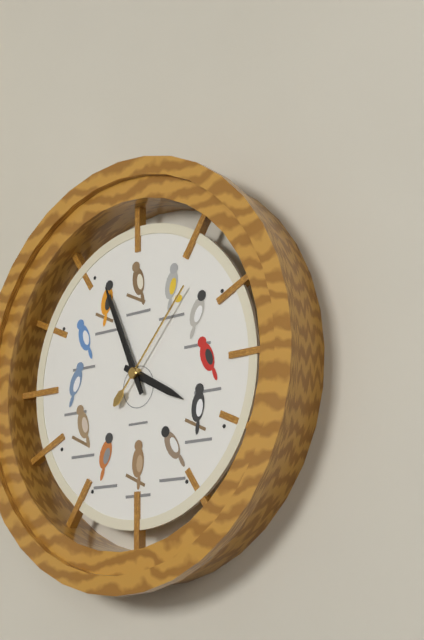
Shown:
3h56m07s
